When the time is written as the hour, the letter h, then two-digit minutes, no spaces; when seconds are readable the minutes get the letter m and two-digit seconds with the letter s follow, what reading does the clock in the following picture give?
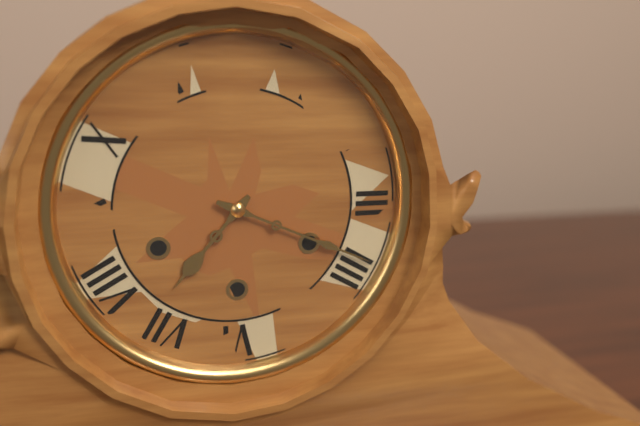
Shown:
7h19
